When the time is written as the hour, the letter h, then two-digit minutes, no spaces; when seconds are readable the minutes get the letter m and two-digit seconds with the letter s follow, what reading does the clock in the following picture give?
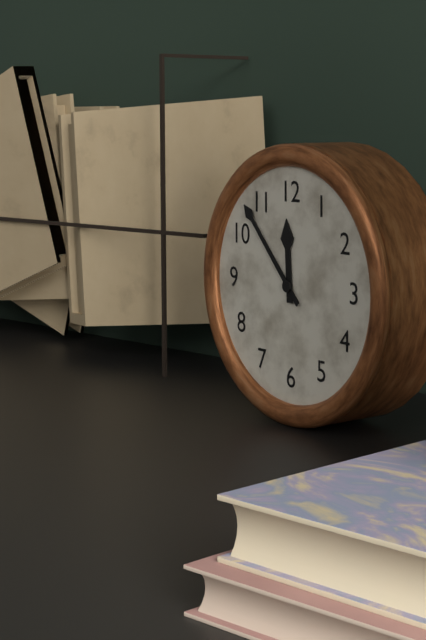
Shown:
11h53
